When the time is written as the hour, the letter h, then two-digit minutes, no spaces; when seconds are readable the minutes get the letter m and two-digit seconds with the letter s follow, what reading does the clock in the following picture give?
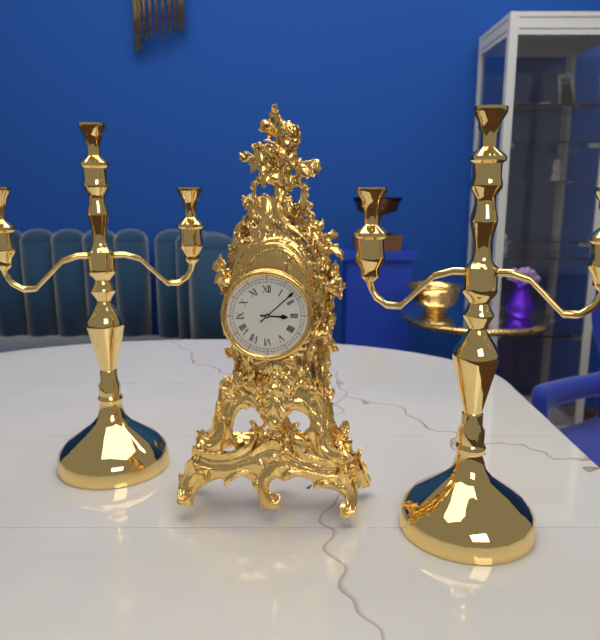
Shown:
3h08
